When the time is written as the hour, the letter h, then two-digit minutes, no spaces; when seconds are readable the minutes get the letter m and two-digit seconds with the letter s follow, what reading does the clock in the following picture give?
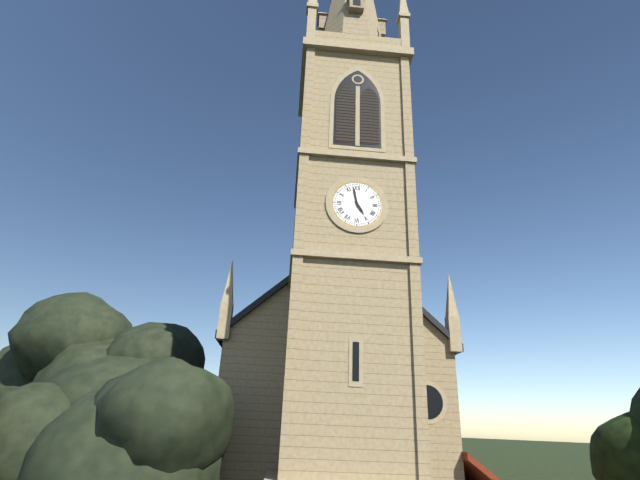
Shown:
4h58
